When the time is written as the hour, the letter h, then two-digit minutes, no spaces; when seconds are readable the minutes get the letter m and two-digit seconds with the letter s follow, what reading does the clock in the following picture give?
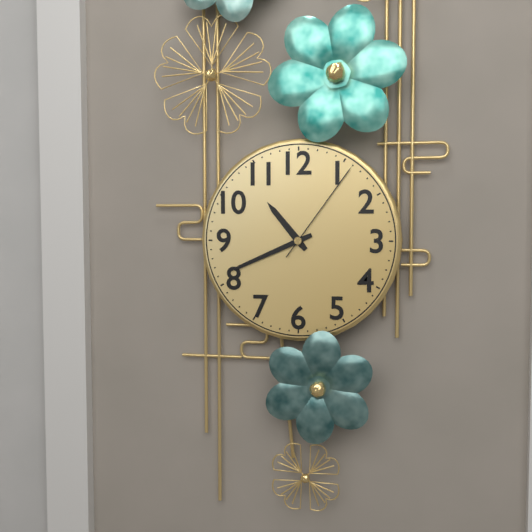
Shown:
10h41m06s
